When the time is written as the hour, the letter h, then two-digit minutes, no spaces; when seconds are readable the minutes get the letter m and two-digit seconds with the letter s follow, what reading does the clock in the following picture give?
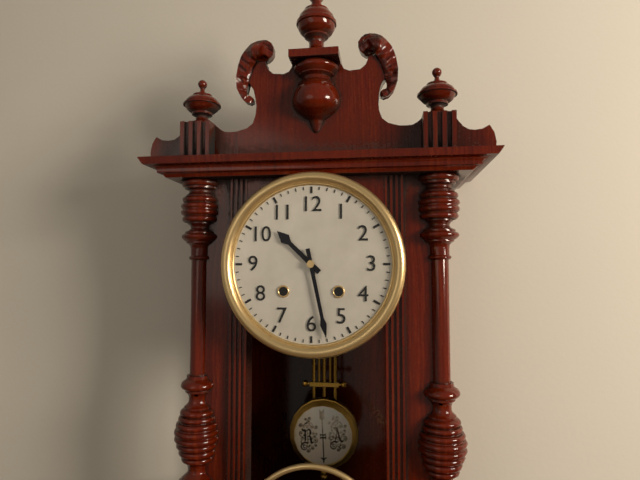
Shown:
10h28
